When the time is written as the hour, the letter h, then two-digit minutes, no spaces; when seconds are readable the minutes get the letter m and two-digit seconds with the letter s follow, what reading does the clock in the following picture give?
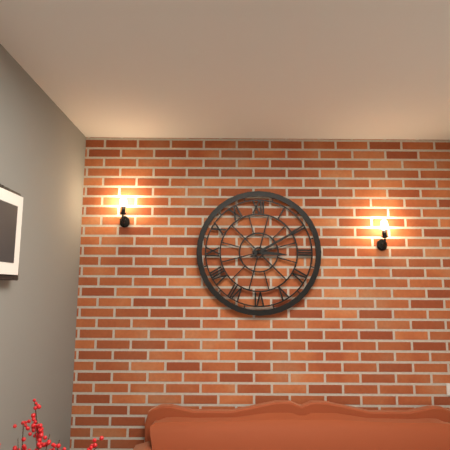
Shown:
3h10
